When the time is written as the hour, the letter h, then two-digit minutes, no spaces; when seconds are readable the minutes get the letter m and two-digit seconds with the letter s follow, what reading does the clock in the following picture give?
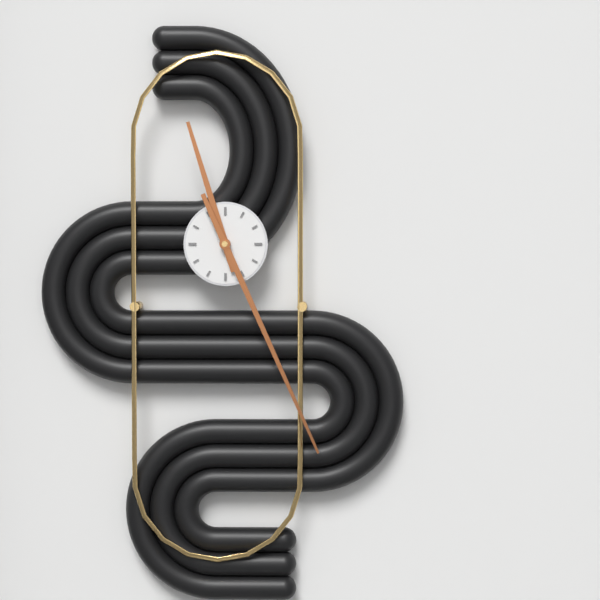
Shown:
11h26
